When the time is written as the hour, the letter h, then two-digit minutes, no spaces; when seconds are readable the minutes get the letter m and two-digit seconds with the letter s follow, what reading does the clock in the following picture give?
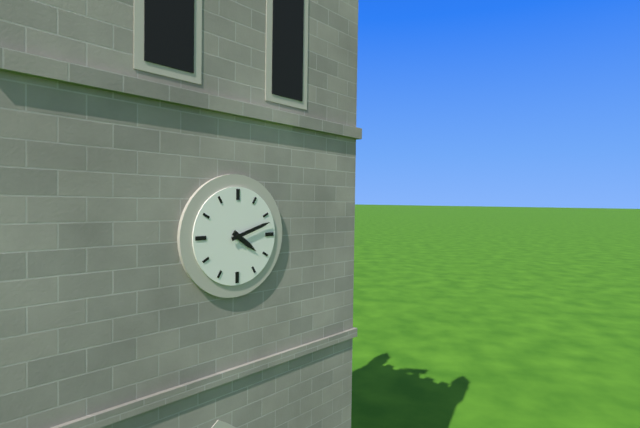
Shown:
4h12
